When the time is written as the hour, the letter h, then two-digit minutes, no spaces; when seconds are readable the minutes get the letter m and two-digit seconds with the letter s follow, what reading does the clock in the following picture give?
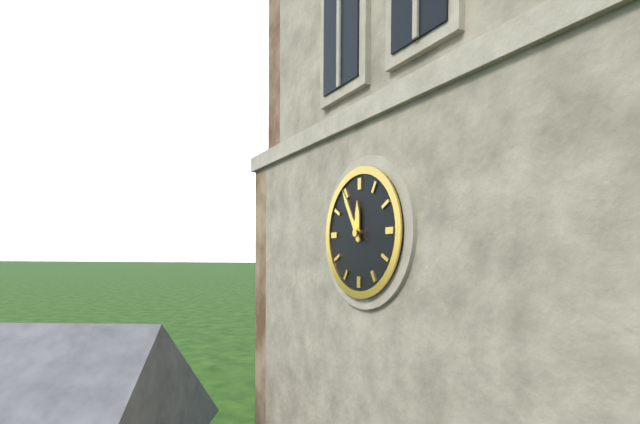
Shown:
11h55
